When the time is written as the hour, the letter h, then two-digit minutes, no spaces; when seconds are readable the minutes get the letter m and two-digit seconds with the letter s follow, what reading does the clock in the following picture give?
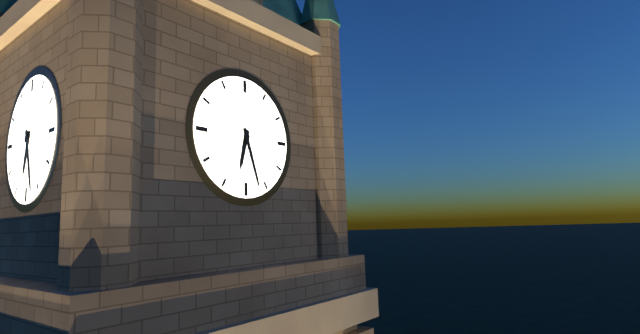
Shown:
6h27
